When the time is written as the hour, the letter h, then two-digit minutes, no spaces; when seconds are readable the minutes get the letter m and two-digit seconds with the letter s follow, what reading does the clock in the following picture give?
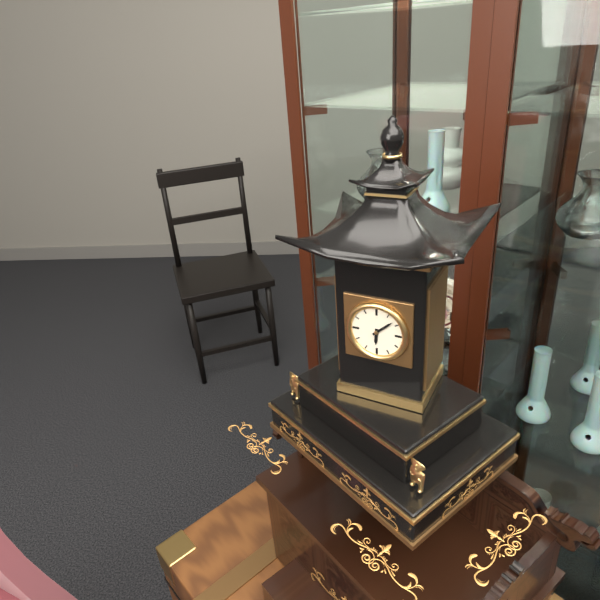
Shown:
6h08
